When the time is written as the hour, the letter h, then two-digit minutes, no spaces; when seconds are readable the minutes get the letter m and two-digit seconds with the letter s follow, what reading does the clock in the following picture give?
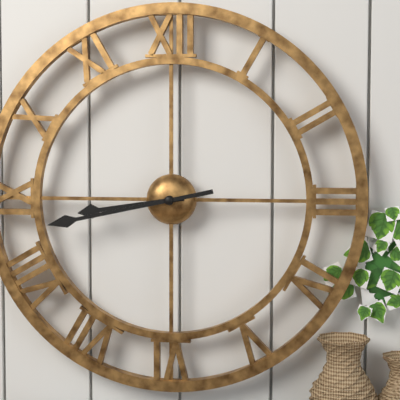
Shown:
8h43
